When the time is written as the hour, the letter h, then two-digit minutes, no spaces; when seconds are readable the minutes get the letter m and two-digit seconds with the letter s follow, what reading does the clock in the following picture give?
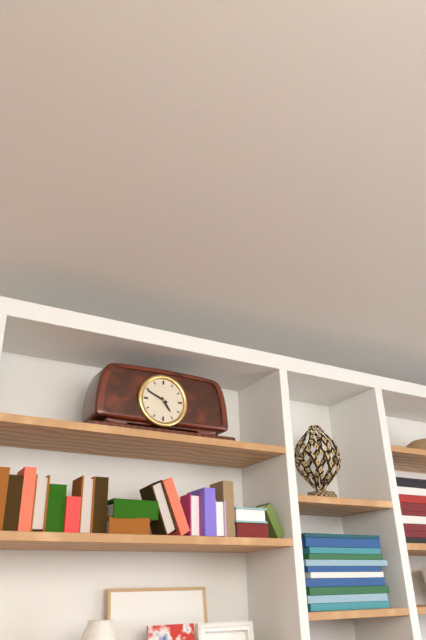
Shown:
4h49
